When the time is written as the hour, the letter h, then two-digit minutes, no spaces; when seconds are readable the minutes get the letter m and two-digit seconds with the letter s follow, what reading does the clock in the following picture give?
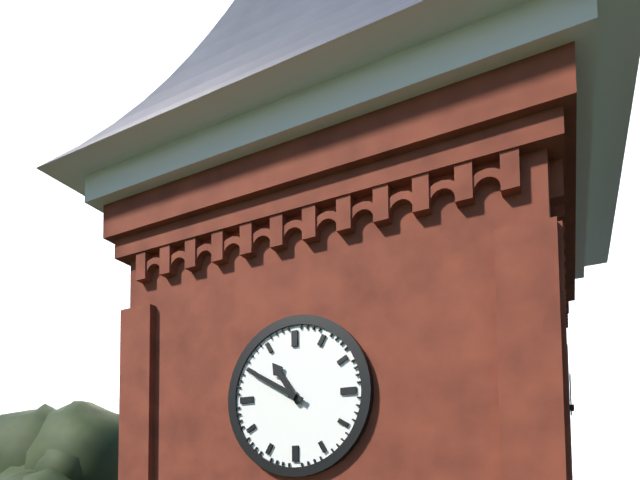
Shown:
10h50
